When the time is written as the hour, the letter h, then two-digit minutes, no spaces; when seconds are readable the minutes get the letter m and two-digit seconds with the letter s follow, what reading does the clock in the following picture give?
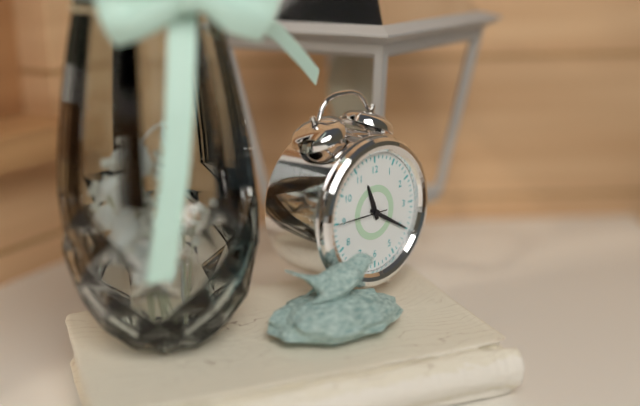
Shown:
11h20m45s
